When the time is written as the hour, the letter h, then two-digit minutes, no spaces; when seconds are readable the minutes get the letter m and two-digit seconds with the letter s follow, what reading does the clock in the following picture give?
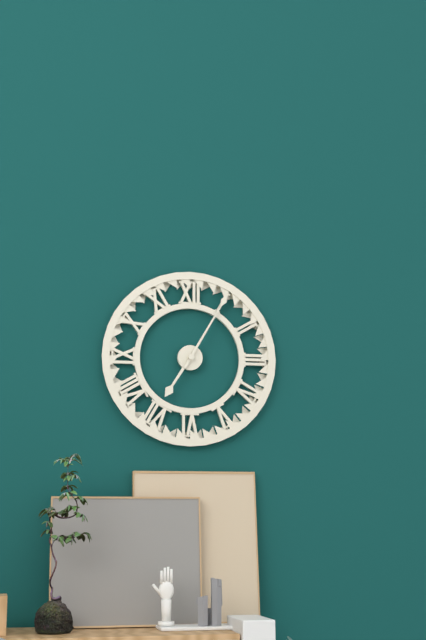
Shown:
7h05
